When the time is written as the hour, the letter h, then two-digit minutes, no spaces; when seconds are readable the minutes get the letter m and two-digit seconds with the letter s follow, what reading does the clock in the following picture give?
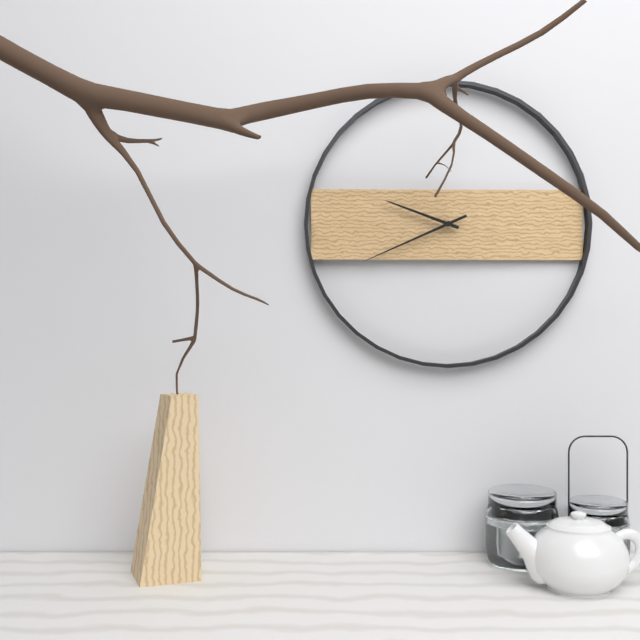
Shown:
9h41
